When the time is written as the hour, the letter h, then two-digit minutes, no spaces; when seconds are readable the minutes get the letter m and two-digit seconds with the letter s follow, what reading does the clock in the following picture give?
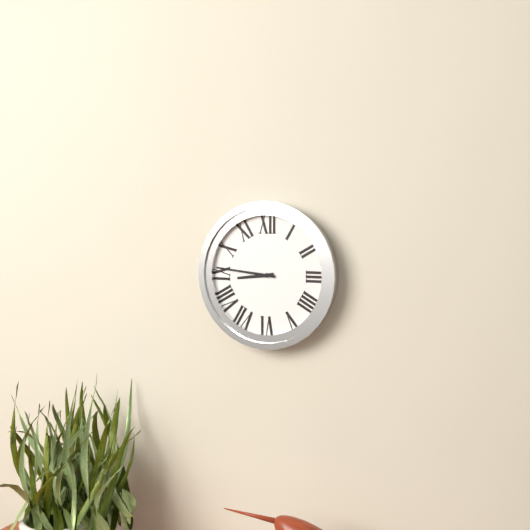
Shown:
8h46
